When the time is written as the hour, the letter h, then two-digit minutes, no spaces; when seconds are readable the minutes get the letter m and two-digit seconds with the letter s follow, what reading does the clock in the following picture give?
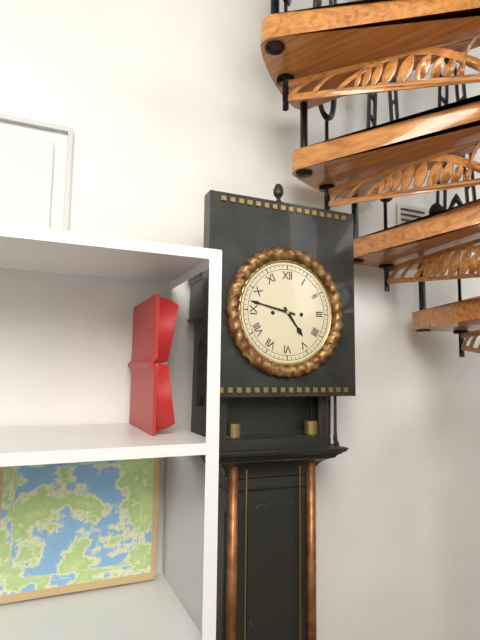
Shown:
4h47
